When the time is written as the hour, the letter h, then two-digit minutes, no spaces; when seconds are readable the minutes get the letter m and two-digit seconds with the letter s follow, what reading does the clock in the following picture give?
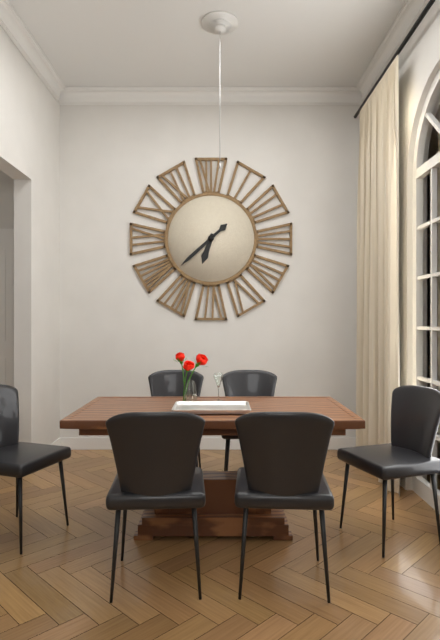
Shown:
6h38
